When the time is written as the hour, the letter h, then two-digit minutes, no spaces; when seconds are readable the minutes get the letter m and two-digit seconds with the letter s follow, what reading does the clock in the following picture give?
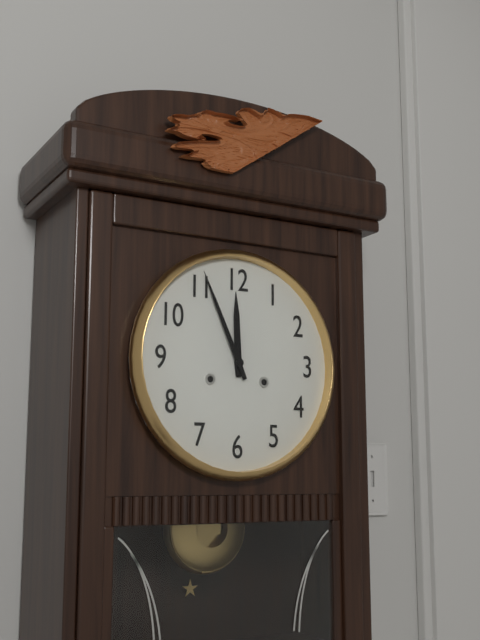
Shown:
11h56
